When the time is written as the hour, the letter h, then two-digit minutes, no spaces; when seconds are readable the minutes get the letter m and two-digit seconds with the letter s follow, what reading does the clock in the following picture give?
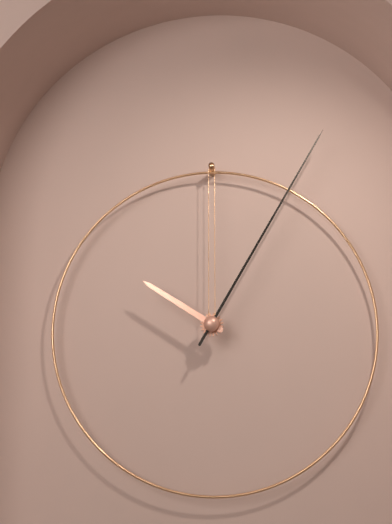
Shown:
10h05
